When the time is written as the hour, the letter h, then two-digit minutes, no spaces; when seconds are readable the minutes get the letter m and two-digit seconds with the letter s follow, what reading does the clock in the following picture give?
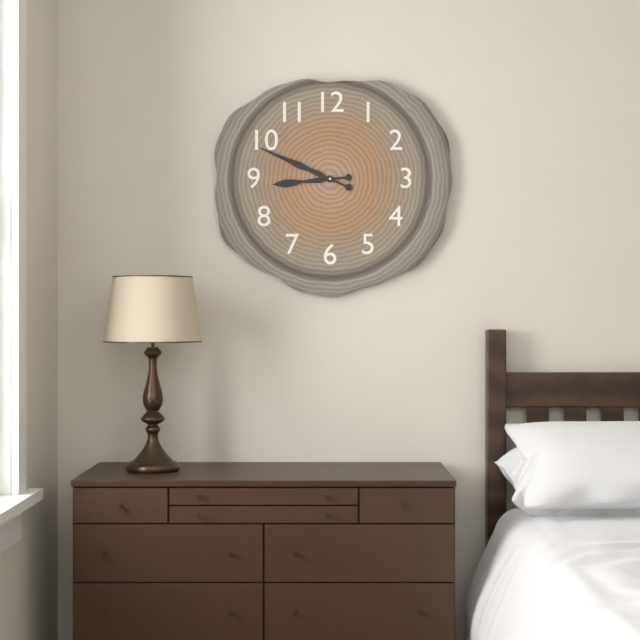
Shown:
8h49
